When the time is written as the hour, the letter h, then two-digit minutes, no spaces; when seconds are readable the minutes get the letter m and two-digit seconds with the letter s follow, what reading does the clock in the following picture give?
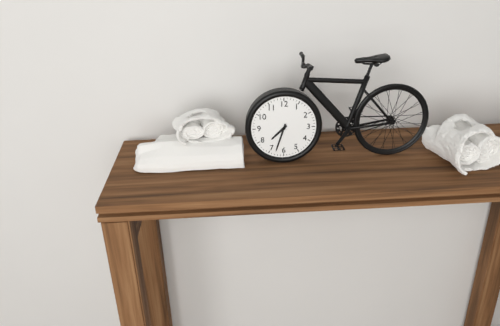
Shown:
7h33
